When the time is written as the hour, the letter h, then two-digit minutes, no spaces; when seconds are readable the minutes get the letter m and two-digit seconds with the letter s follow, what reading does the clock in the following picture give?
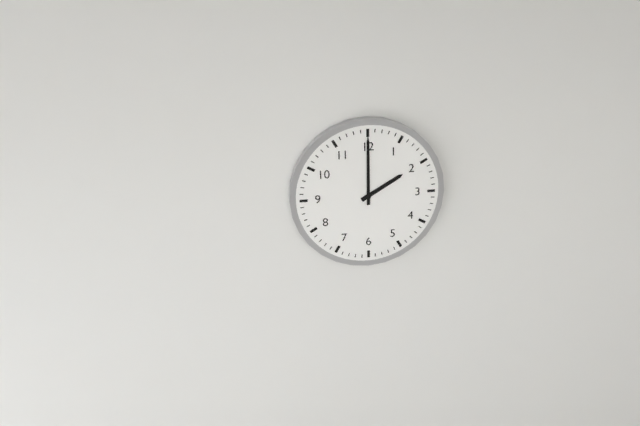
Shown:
2h00
